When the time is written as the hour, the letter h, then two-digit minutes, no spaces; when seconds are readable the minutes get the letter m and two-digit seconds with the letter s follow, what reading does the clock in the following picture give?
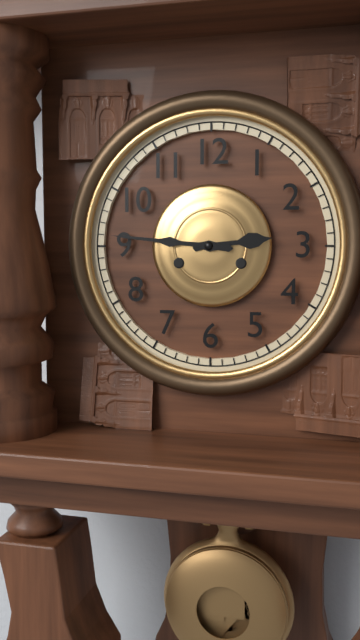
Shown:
2h46
